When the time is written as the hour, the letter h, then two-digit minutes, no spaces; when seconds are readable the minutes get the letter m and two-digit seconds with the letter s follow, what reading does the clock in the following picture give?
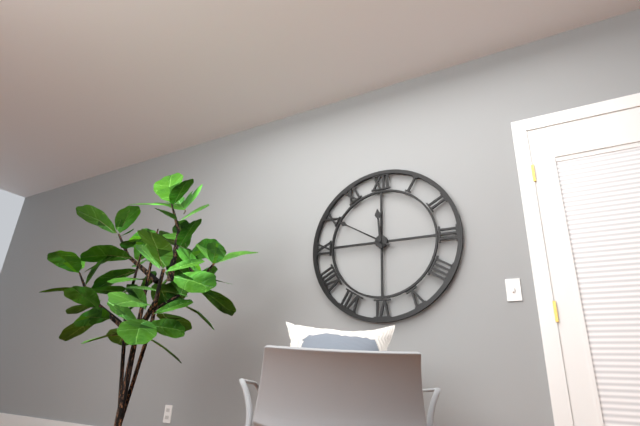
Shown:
11h50
